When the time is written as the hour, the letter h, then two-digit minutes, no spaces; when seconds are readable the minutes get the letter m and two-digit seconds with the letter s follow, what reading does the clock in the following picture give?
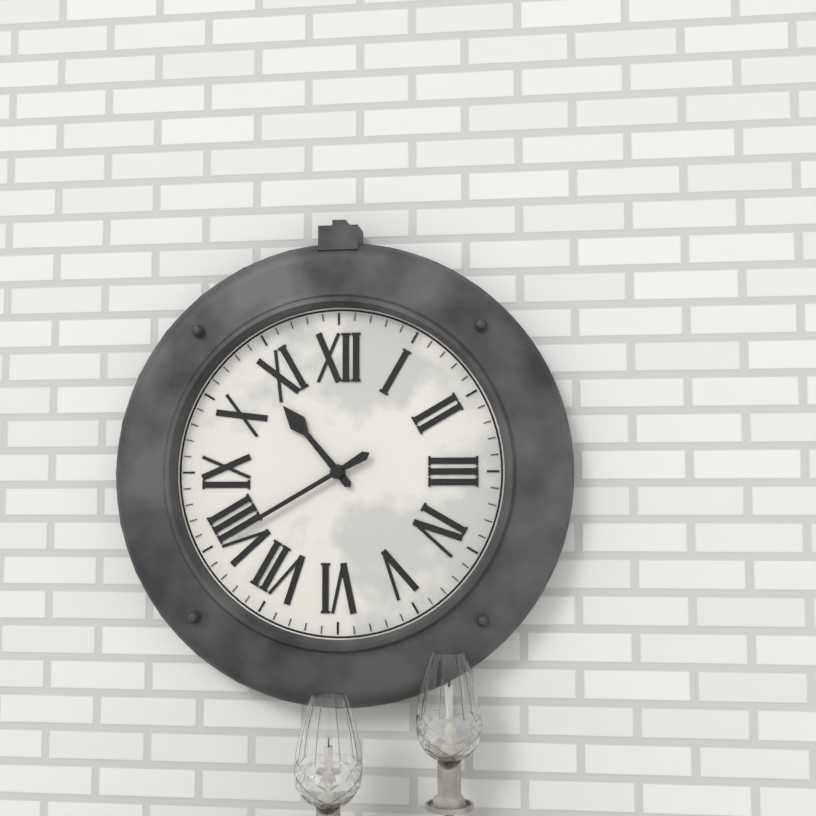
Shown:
10h40
